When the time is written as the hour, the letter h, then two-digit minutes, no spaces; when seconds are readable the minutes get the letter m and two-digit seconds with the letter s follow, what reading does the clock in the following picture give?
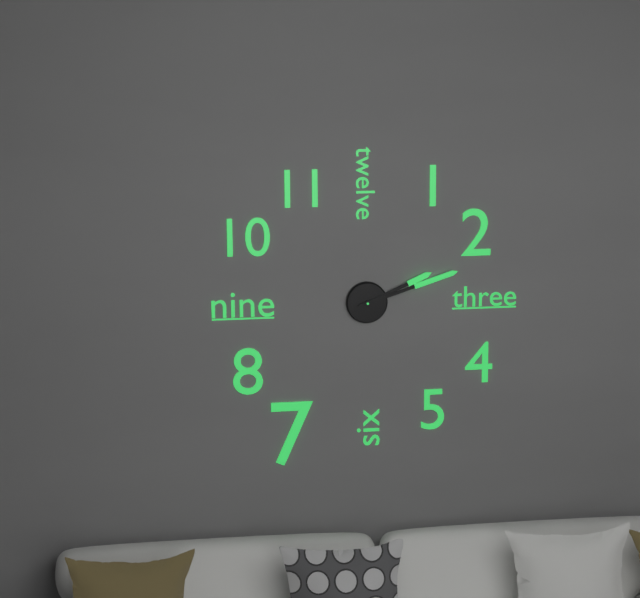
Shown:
2h12
